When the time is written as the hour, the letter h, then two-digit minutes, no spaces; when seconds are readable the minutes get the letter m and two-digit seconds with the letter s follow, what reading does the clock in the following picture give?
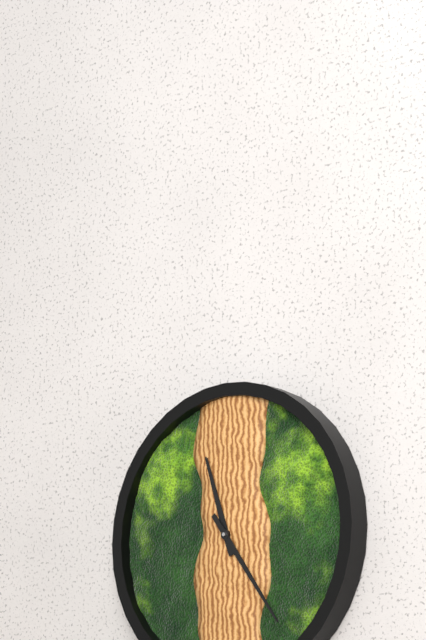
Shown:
11h24
